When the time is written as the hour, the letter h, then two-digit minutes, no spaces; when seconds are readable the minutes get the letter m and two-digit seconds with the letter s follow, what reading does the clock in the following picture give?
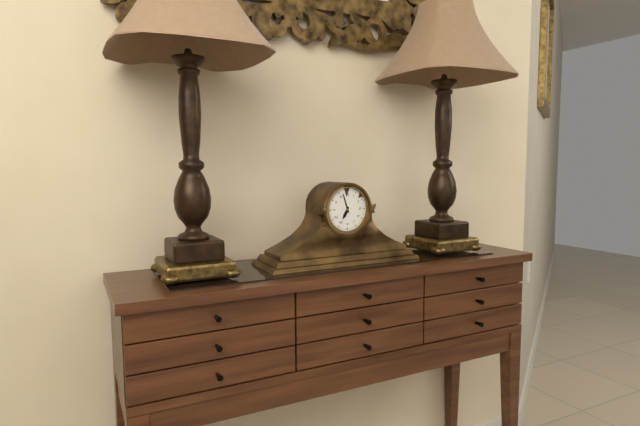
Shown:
6h57
